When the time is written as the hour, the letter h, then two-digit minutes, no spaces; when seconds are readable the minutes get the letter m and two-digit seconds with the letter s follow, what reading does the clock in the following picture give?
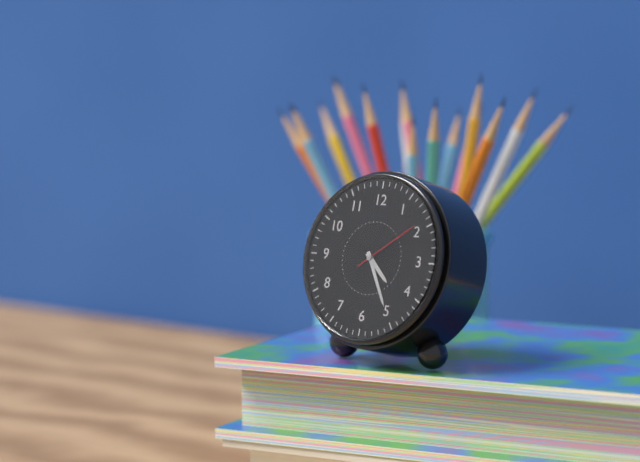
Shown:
4h25m09s
